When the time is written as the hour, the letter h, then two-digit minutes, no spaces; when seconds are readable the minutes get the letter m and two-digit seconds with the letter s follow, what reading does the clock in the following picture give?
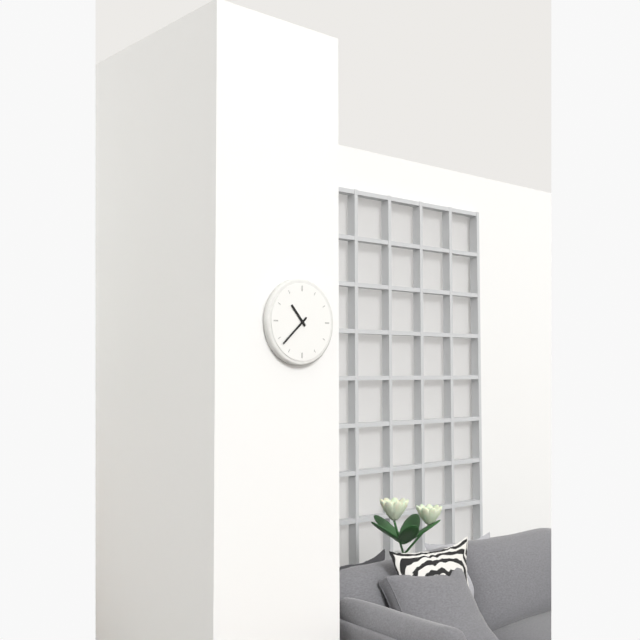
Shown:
10h38
